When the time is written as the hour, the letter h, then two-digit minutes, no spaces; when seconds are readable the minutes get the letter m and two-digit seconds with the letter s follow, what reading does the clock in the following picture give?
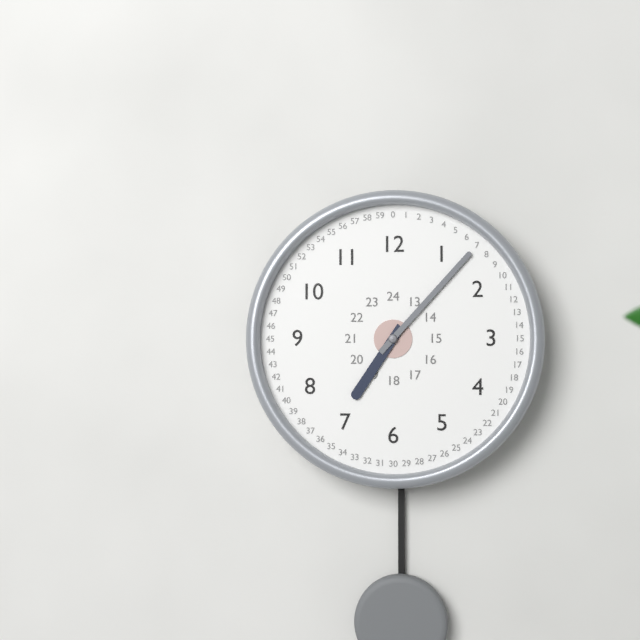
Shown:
7h07
